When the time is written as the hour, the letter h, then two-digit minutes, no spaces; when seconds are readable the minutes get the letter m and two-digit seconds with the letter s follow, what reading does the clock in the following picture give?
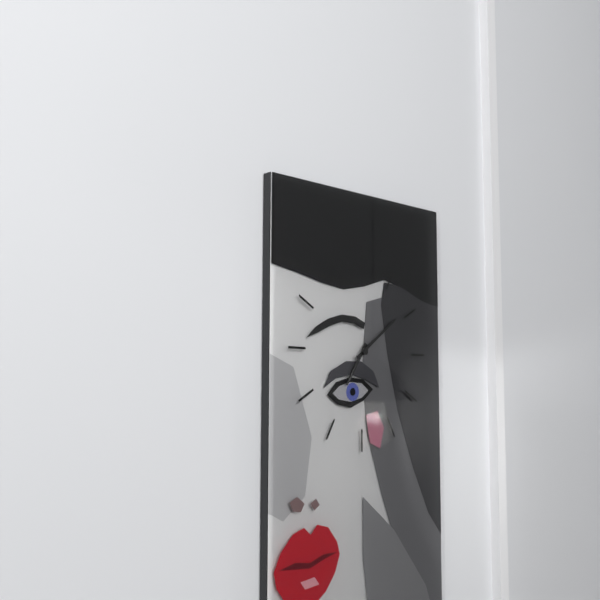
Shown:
7h09
